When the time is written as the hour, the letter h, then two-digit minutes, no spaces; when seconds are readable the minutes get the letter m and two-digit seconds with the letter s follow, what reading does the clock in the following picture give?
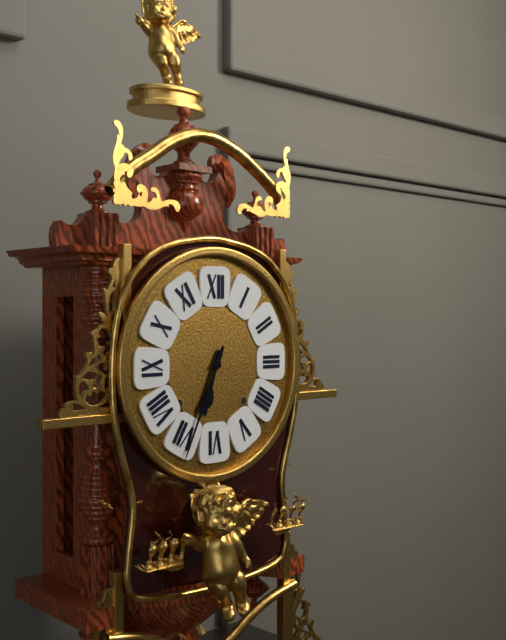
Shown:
6h34
